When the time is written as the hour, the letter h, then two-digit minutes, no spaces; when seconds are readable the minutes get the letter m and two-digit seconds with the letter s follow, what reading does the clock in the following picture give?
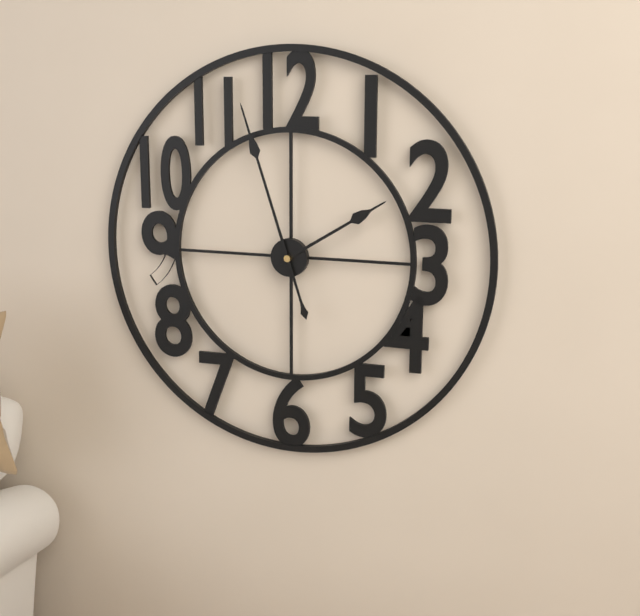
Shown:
1h57
